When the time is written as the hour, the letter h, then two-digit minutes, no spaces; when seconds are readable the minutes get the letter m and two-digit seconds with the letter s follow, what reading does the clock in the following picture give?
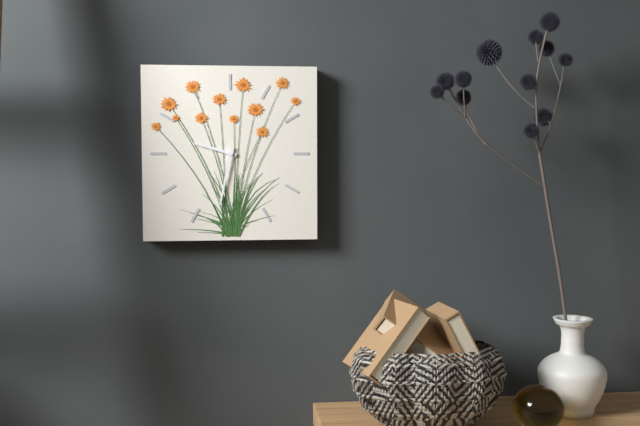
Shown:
9h32
